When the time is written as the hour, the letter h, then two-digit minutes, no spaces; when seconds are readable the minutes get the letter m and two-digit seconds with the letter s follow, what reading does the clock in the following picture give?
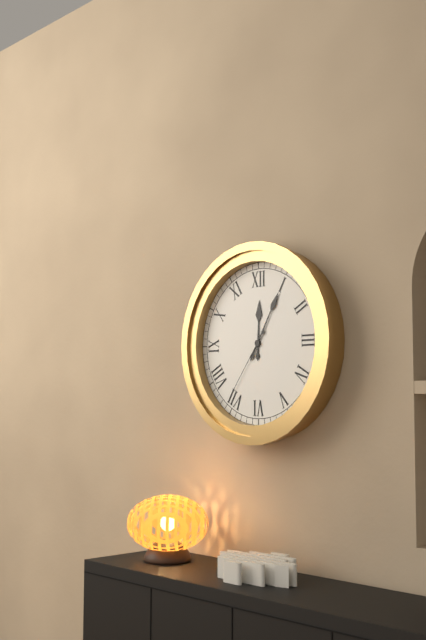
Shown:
12h05m36s
